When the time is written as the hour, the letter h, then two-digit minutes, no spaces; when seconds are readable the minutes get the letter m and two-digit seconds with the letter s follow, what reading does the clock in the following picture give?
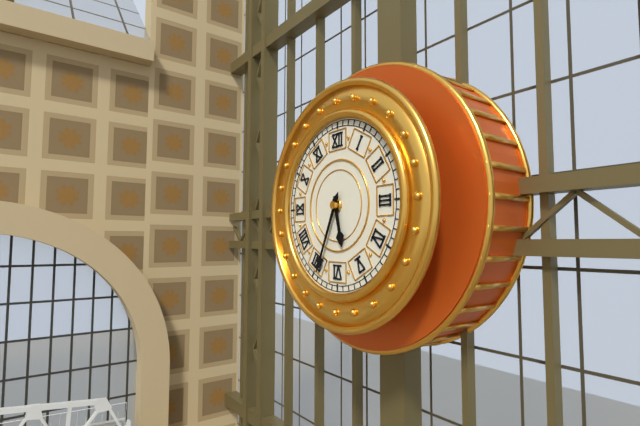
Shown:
5h34
